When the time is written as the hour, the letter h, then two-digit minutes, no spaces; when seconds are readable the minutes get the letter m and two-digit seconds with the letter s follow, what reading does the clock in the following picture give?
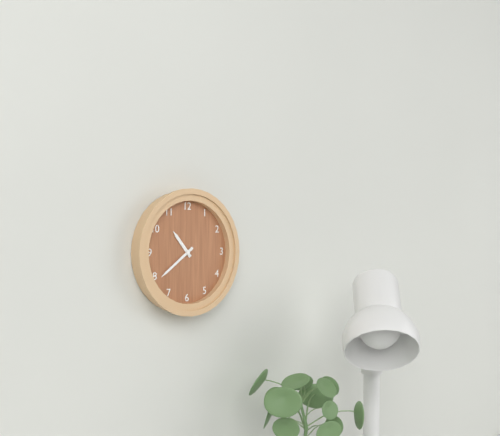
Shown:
10h39
